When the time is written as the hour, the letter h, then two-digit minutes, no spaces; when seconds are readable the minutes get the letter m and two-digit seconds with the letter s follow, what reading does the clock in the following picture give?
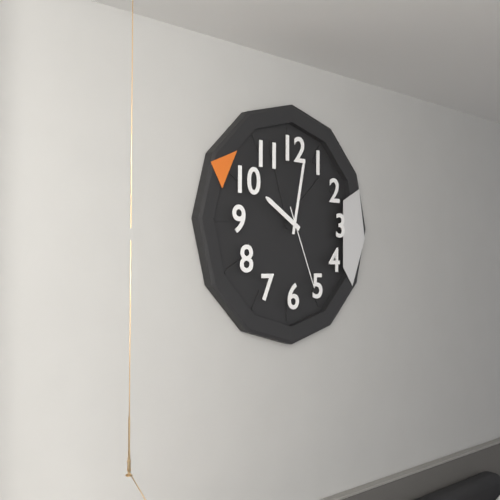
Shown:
10h02m26s
